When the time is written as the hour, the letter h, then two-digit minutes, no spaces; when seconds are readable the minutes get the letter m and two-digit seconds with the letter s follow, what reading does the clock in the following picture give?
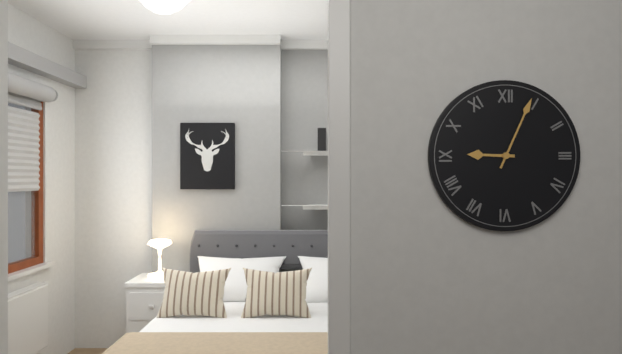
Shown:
9h04
